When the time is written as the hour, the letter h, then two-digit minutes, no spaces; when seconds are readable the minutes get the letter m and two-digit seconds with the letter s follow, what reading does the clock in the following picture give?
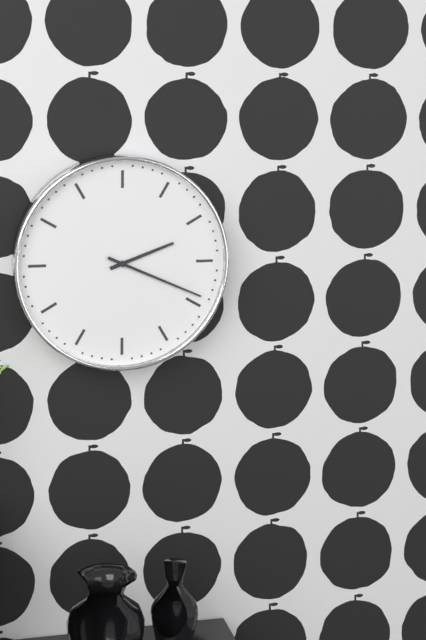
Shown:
2h19
